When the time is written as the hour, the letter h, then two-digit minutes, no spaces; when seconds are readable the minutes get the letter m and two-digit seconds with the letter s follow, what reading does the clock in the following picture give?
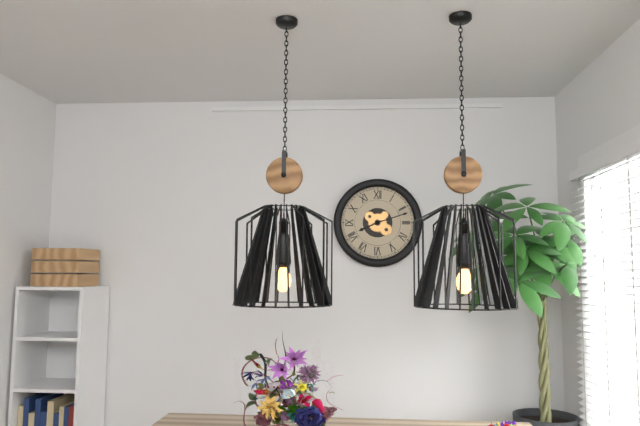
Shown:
8h12
